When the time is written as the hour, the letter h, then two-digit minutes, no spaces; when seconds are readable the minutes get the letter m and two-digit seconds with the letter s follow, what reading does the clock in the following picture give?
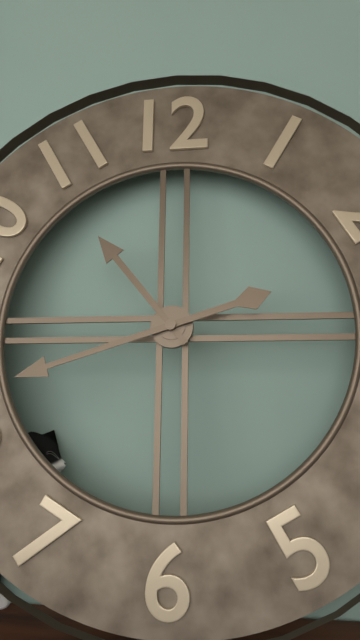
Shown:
10h42
